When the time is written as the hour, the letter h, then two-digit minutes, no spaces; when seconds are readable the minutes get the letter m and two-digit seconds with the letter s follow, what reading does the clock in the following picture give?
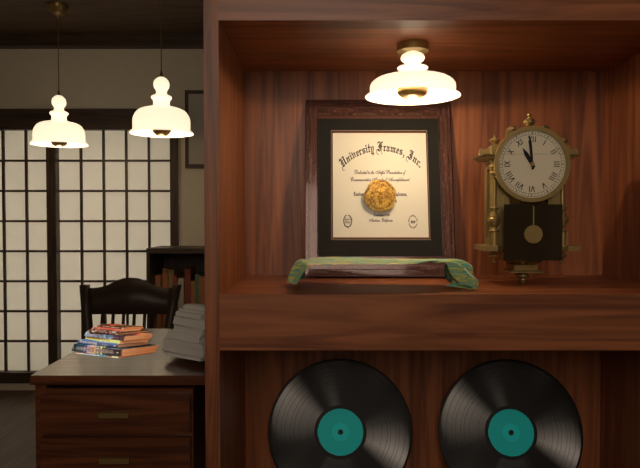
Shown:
10h59
